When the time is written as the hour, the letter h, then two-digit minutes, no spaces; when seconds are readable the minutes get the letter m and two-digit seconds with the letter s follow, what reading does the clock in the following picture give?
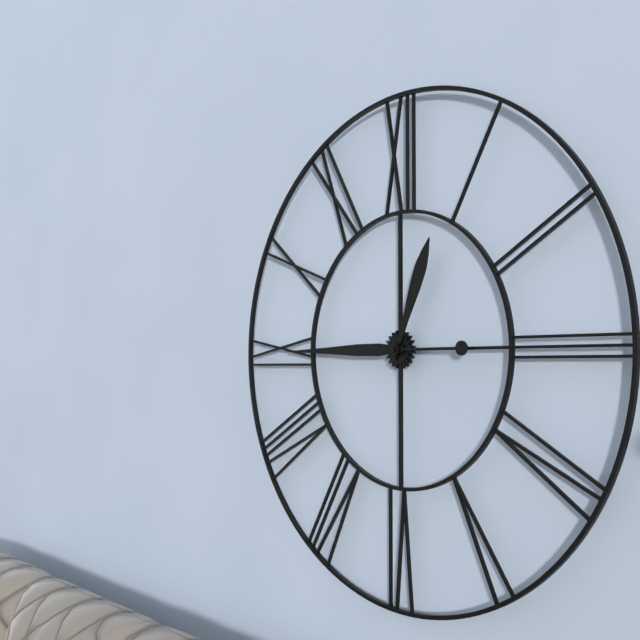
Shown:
12h45
